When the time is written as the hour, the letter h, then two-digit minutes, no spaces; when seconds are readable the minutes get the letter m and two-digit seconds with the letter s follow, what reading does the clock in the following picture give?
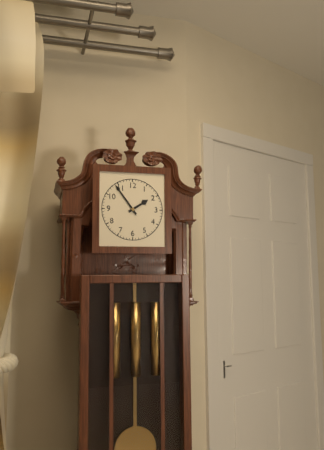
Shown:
1h54
